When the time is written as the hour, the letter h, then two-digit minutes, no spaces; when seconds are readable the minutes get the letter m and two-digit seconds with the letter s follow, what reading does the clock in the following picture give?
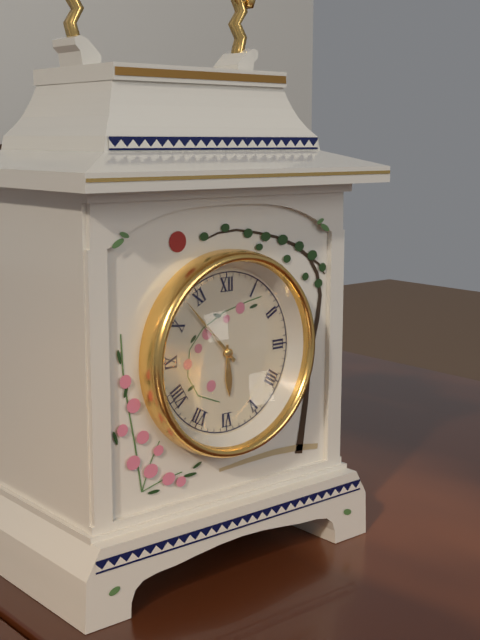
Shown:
5h53
